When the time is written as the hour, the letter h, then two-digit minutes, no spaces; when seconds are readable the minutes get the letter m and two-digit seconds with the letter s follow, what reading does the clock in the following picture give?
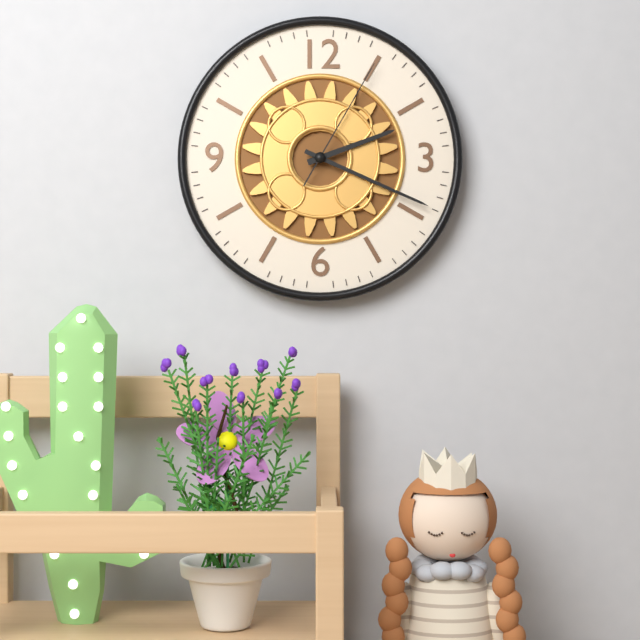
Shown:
2h19m05s
